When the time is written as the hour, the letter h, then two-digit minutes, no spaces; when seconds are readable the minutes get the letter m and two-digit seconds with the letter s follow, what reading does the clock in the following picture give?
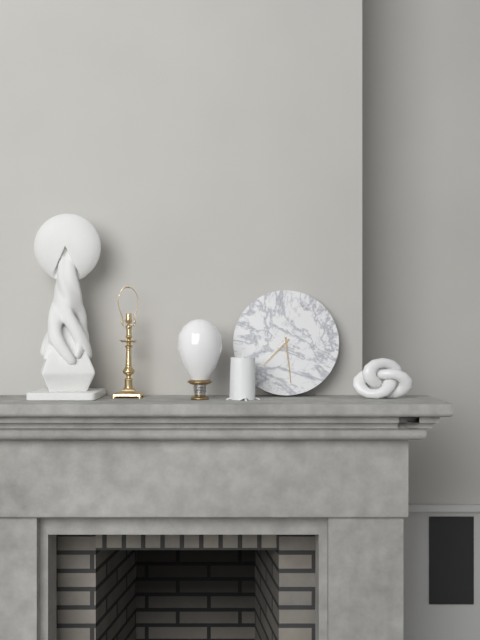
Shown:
7h29
